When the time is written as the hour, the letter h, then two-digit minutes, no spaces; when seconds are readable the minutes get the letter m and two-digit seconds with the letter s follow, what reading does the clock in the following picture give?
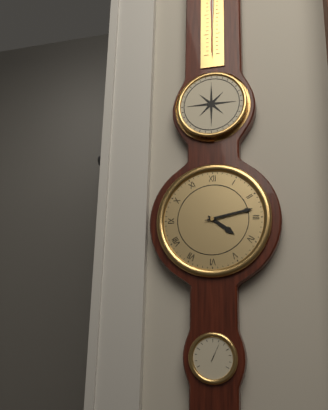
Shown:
4h13
